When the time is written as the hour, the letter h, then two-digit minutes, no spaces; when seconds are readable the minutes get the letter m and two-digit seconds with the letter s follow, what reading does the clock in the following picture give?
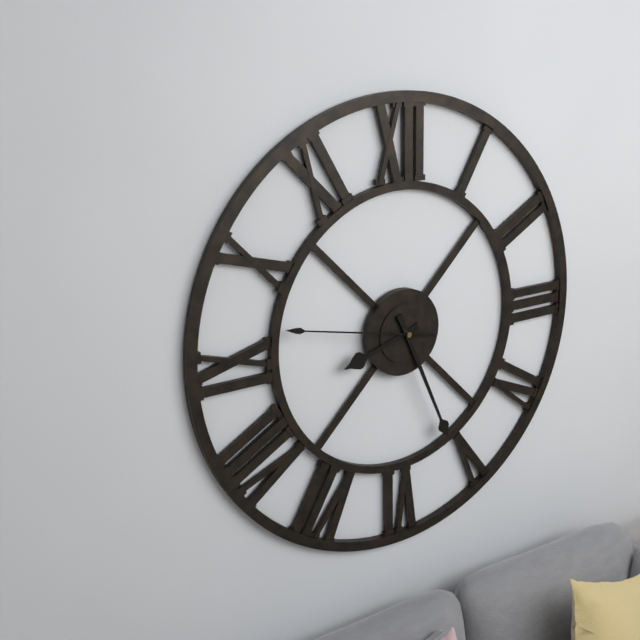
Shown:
8h26m47s
